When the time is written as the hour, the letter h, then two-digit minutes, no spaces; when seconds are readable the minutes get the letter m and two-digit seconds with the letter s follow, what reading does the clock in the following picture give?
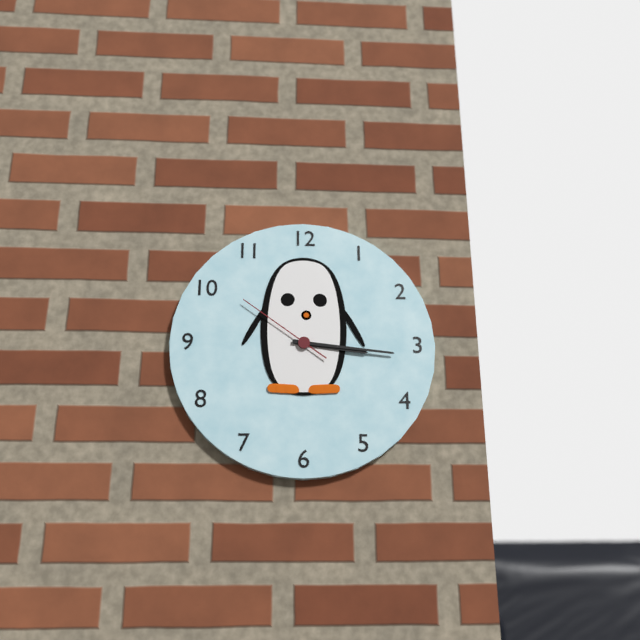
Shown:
3h16m51s
